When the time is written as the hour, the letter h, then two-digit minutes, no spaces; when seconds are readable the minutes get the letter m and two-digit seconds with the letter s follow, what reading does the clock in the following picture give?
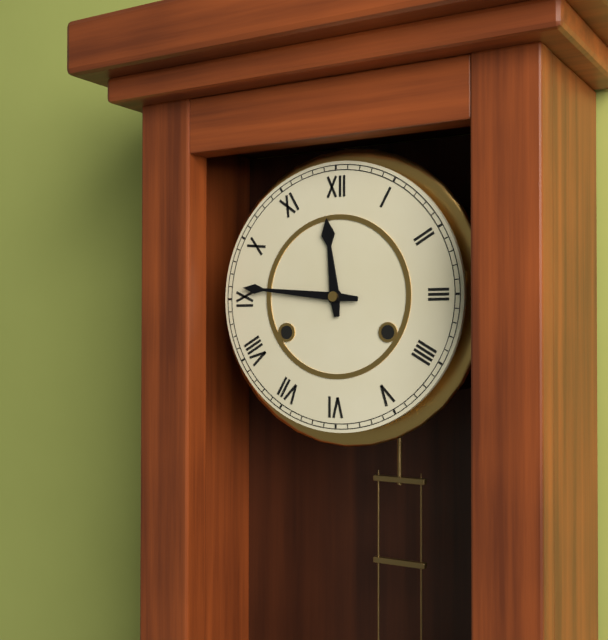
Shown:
11h46
